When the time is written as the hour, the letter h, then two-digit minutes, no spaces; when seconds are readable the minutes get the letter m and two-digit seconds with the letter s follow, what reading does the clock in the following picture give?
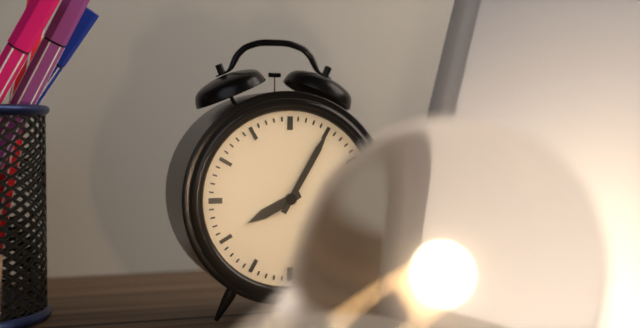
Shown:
8h05
